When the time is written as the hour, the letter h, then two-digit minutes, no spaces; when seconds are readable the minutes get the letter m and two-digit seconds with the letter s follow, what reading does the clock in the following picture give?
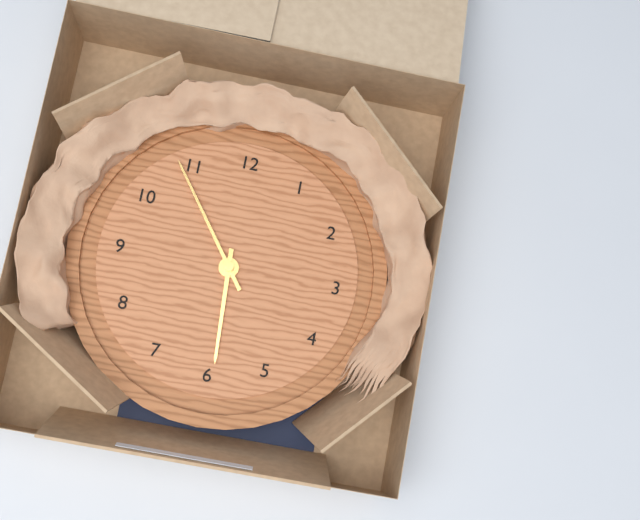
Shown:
5h54
